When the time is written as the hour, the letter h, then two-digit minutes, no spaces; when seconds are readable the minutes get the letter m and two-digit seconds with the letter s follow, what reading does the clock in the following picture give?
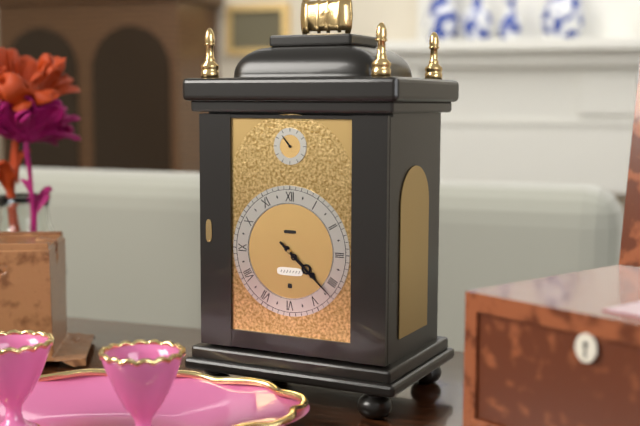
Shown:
4h22
